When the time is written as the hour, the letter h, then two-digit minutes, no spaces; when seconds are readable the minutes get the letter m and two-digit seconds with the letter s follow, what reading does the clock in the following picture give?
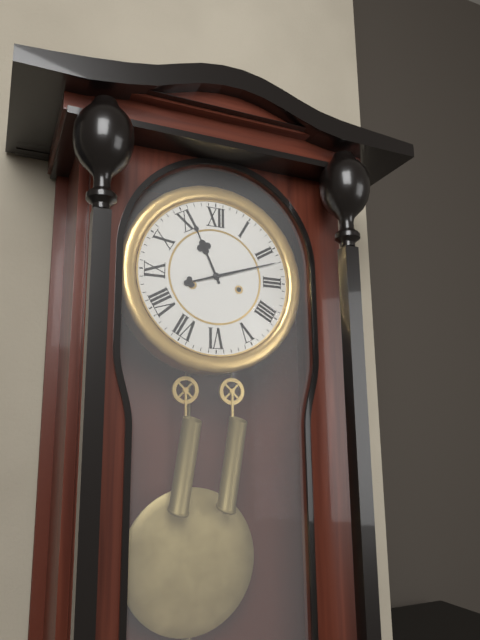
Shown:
11h12
